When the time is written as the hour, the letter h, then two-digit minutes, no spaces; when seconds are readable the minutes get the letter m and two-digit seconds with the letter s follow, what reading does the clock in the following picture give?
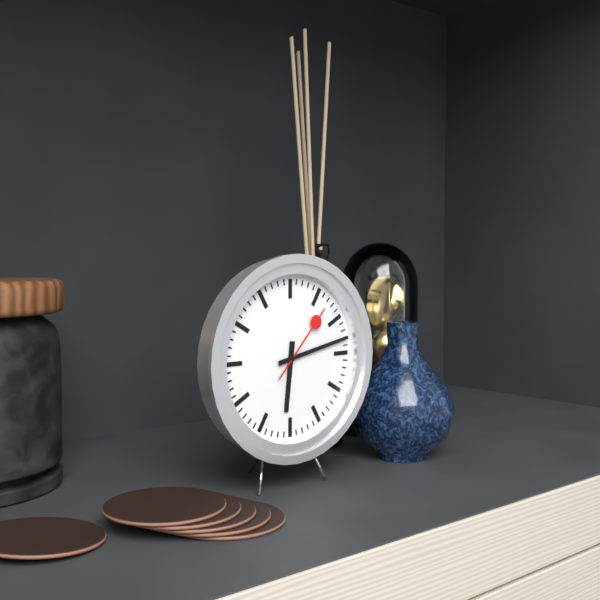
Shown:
6h13m07s
